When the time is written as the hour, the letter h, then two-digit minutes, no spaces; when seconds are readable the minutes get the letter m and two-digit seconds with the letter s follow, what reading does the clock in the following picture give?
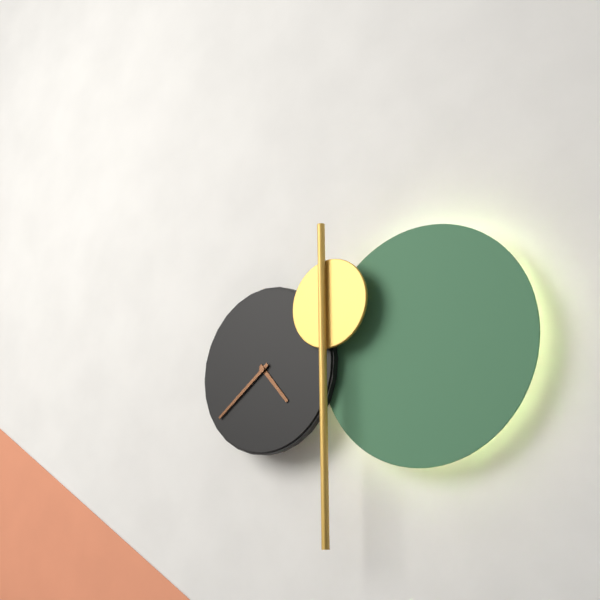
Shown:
4h39
